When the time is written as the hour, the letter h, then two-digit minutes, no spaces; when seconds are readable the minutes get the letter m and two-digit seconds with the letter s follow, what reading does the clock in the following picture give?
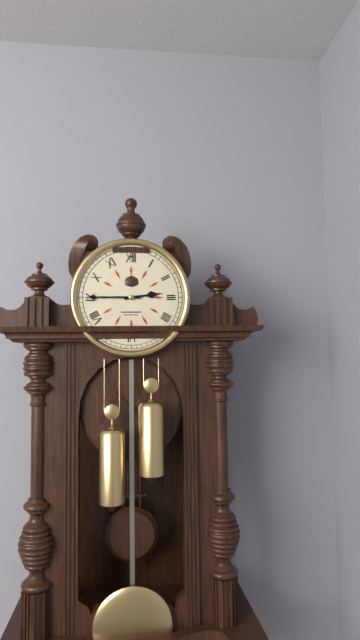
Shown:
2h45
